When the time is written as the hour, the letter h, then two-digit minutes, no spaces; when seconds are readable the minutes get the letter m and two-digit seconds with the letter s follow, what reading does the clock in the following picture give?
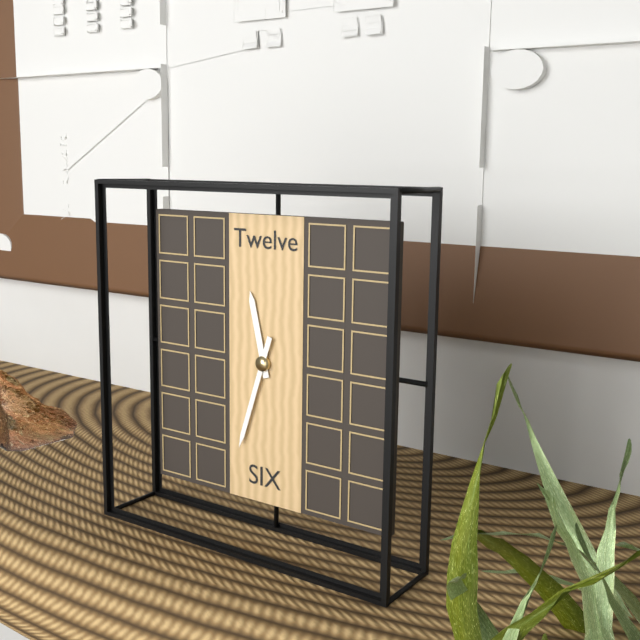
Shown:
11h33
